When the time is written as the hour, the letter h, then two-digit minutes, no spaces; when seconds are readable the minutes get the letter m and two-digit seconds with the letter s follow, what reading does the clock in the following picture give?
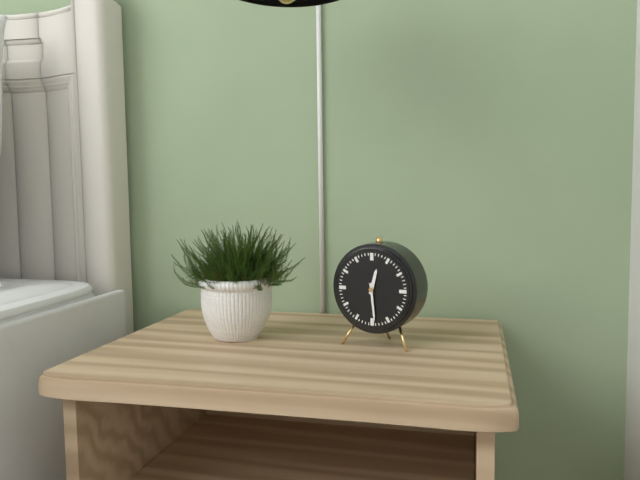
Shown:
12h29
